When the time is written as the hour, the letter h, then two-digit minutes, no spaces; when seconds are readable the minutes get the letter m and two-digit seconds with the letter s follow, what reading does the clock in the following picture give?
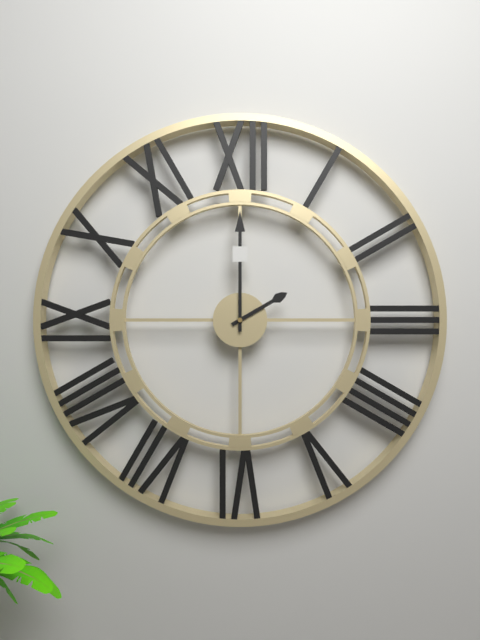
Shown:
2h00
